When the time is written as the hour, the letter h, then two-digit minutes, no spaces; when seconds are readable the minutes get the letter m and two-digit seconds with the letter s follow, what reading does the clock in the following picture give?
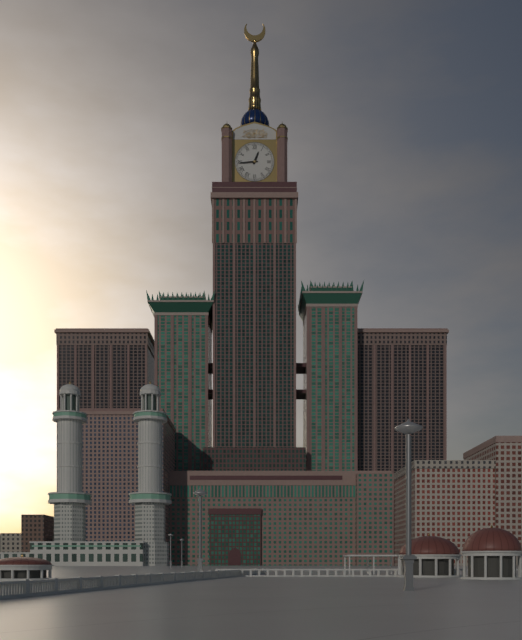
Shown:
12h44
